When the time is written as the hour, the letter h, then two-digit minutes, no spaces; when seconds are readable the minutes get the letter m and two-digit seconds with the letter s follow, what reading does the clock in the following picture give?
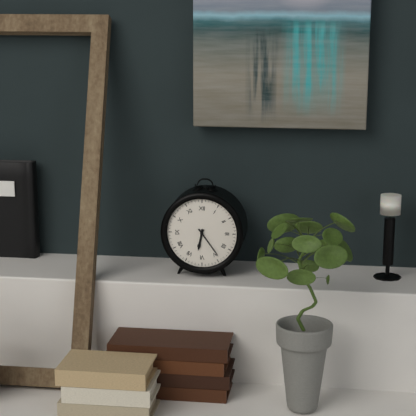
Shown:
6h24
